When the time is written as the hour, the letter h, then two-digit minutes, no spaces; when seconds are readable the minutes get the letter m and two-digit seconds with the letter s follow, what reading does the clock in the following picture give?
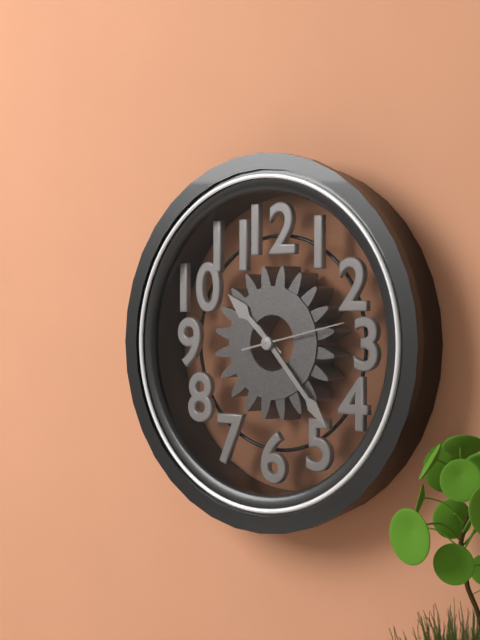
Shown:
10h23m13s
